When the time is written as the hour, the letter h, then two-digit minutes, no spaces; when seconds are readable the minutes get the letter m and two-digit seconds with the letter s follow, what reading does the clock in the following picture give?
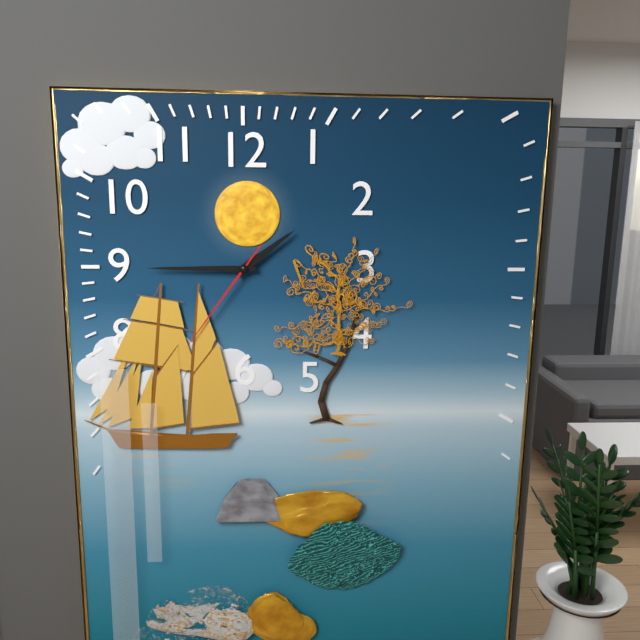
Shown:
1h45m36s
